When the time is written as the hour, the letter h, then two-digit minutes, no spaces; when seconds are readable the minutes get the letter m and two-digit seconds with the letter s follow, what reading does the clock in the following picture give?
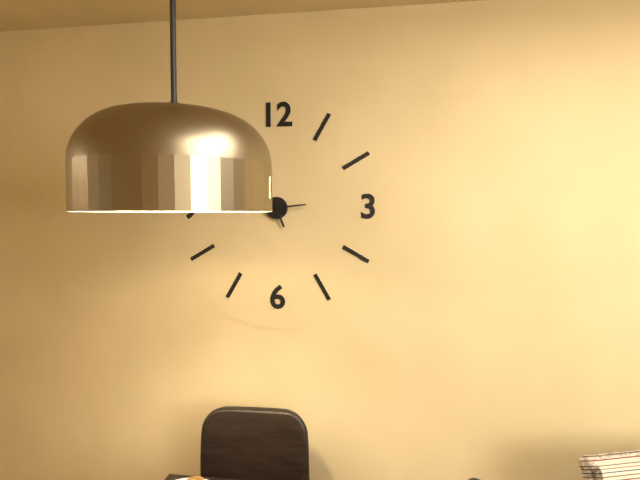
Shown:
5h14
